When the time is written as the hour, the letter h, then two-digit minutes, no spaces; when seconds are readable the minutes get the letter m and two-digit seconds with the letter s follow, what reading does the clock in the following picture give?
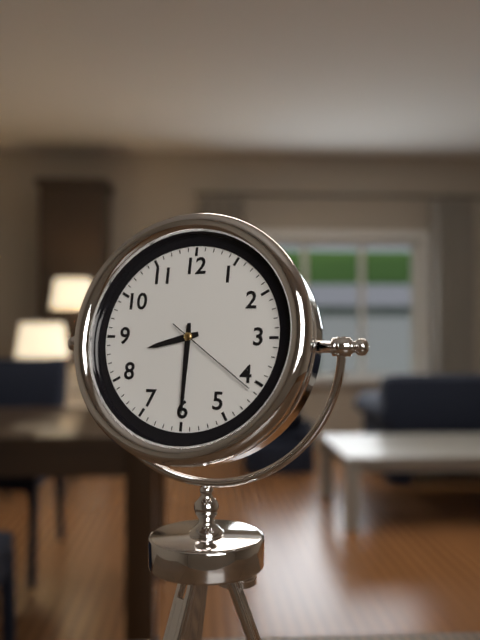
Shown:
8h30m21s
